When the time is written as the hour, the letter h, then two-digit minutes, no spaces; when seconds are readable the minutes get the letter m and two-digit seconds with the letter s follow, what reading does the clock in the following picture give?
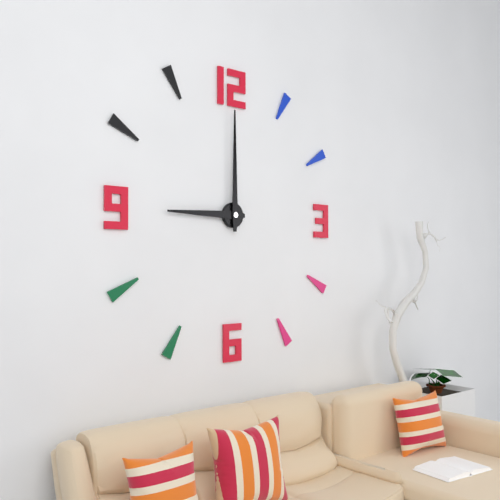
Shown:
9h00
